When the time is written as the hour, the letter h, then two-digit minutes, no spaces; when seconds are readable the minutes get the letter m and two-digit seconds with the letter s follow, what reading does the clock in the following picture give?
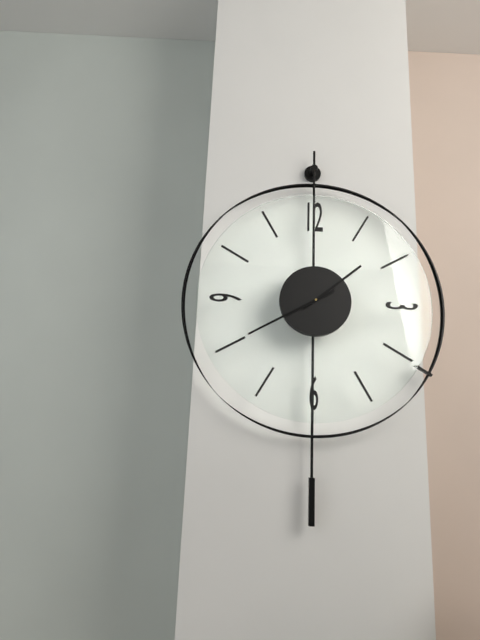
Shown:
1h40
